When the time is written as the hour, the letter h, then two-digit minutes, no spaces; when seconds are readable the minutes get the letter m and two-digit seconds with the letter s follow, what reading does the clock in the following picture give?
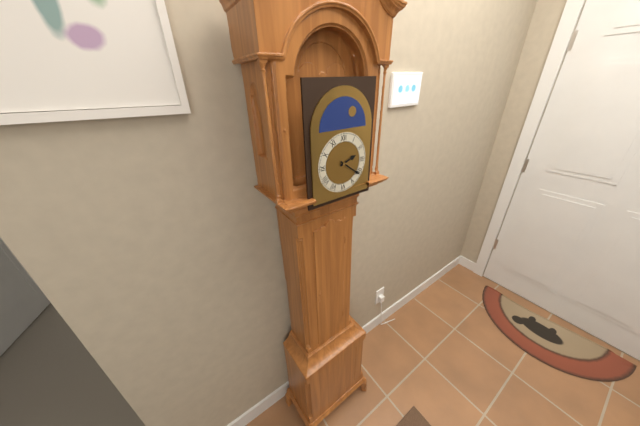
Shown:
2h21
